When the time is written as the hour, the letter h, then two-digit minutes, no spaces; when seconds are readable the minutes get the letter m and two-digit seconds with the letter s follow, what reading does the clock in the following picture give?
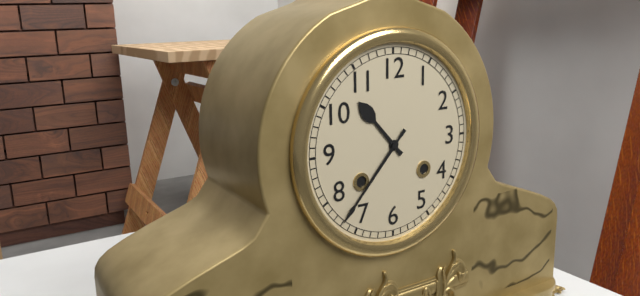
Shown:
10h37
